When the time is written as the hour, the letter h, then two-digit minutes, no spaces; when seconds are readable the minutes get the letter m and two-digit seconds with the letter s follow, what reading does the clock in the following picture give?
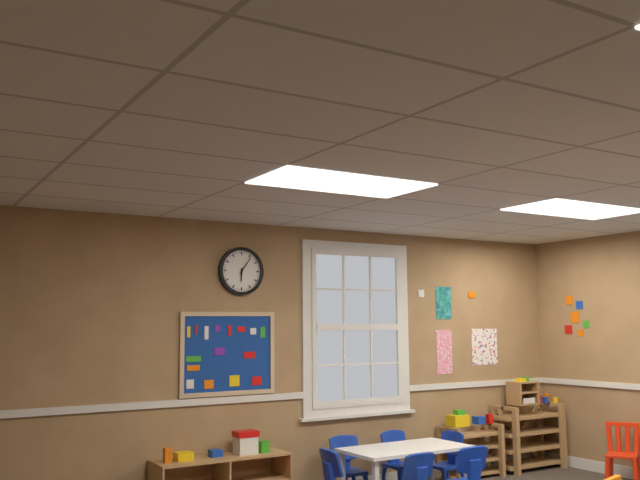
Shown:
6h06
